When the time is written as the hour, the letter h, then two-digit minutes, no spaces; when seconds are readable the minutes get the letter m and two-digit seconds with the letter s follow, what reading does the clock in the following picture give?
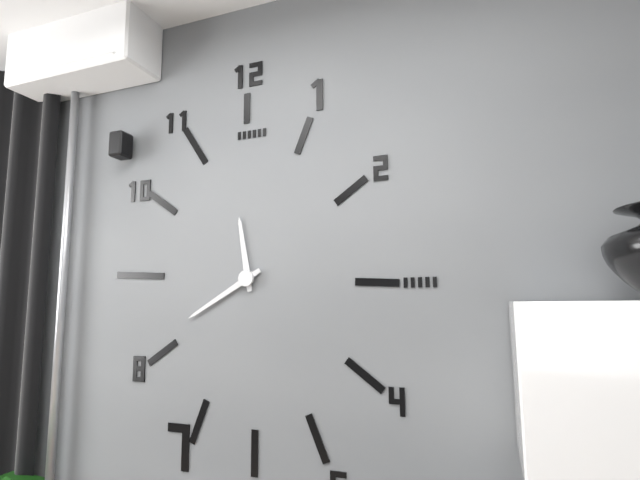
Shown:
11h40
